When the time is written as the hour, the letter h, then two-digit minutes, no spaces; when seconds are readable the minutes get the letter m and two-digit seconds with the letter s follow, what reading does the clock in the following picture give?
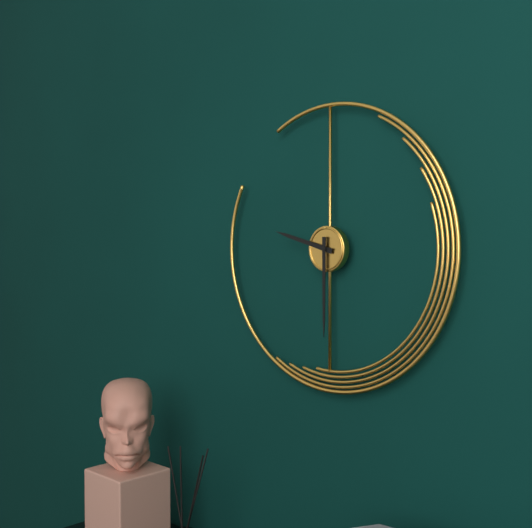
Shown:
9h30
